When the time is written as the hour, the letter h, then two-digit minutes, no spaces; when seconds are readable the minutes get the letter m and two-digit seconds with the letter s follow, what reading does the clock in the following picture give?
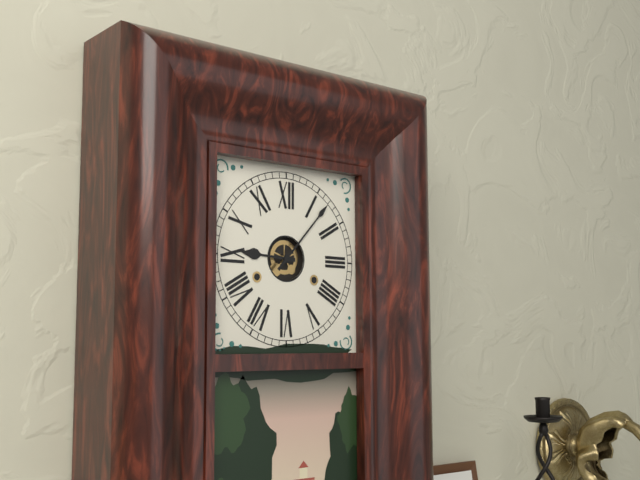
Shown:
9h07
